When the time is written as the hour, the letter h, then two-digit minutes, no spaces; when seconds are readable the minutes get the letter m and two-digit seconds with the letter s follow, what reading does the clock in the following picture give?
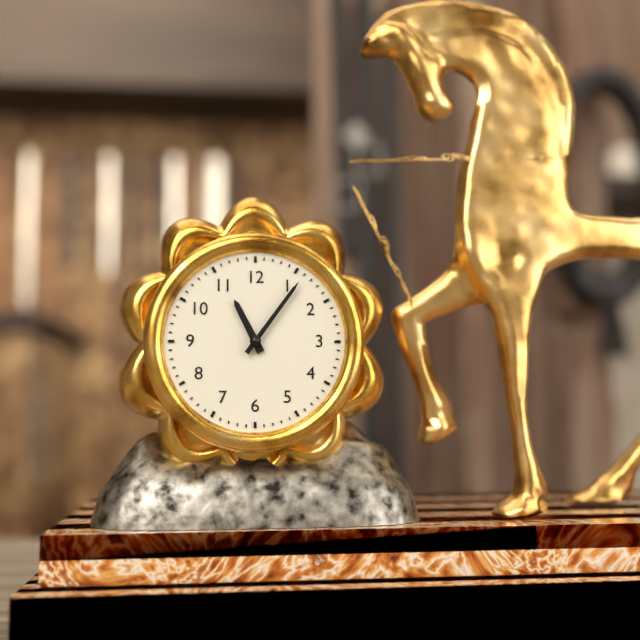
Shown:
11h06
